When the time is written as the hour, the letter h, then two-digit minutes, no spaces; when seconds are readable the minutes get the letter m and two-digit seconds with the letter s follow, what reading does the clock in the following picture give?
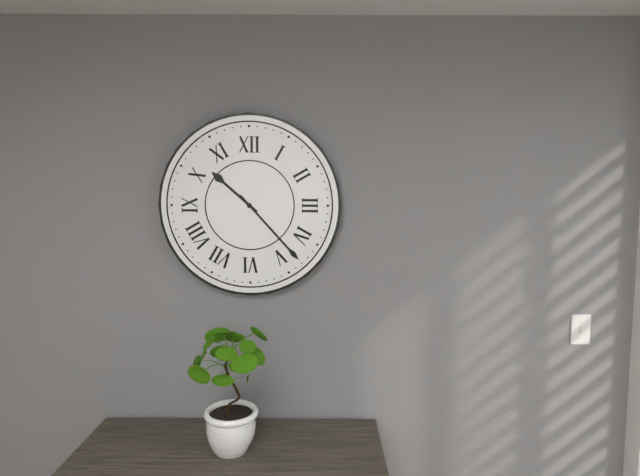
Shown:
10h23
